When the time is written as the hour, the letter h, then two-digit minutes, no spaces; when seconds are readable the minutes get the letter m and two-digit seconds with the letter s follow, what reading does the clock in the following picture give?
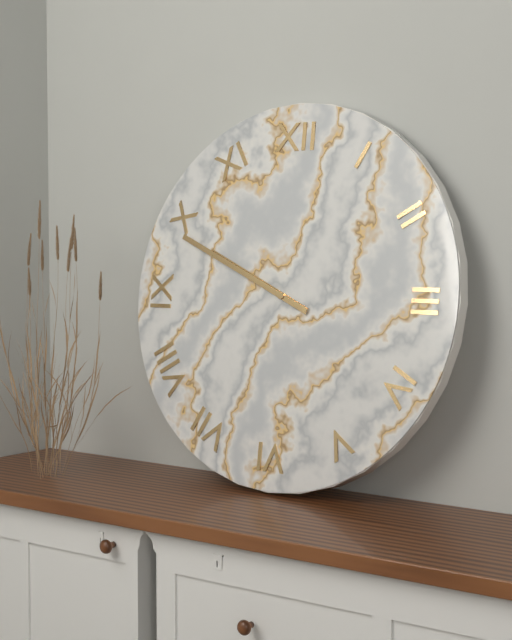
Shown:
9h49
